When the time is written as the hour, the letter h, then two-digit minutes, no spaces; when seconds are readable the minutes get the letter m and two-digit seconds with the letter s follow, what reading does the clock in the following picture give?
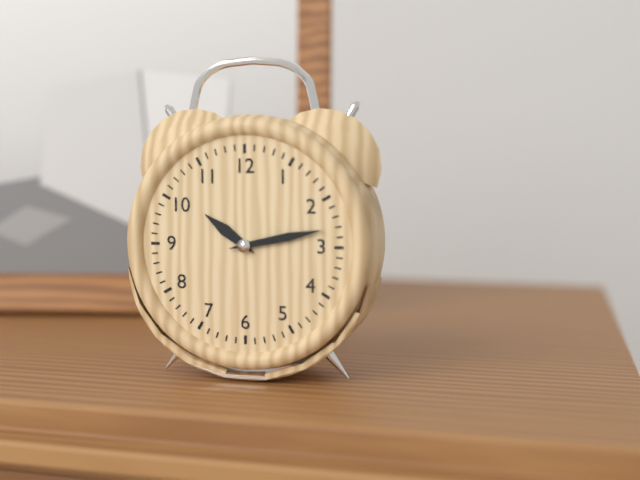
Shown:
10h13
